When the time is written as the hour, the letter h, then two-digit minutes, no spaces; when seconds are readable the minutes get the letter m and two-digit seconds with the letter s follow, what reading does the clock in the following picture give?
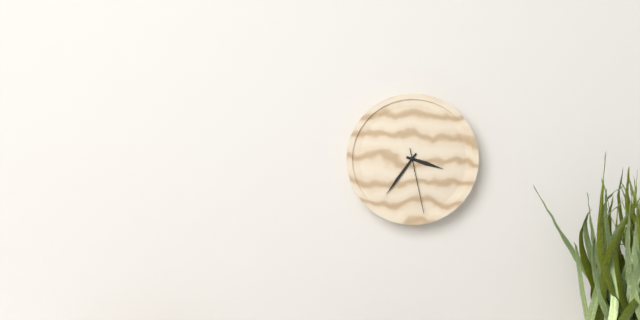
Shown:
3h36m28s
